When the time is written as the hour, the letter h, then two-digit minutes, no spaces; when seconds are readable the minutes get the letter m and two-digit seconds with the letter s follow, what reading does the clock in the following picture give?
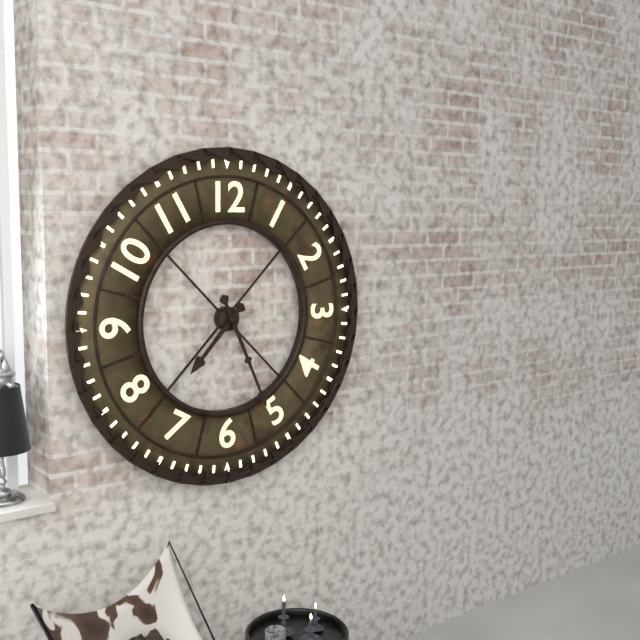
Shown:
7h26
